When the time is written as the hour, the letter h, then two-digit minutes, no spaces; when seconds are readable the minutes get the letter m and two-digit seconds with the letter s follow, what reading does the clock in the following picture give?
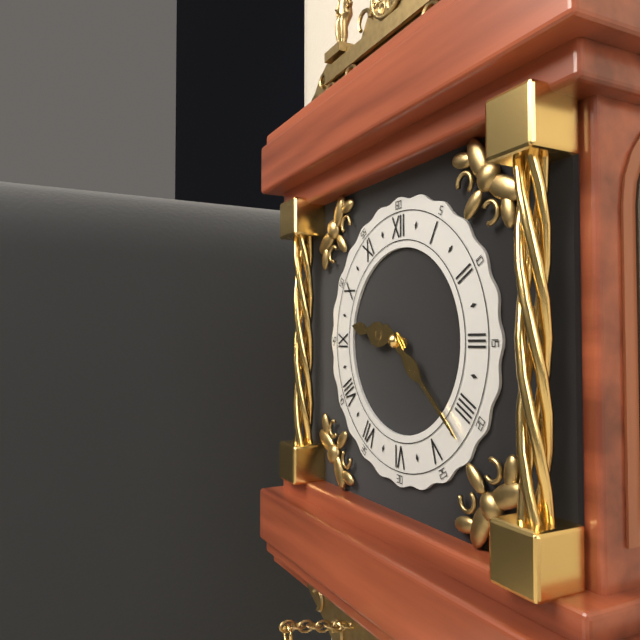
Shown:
9h22
